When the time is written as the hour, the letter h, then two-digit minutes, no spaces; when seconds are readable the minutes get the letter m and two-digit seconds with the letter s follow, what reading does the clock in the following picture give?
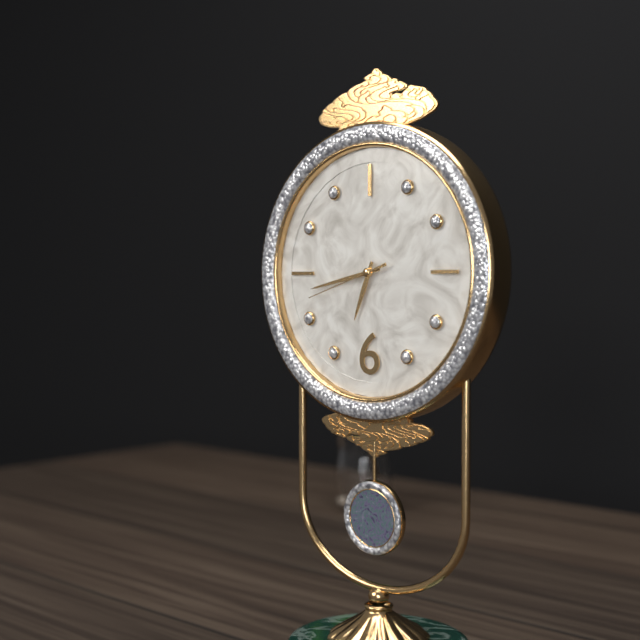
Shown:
6h43m42s
